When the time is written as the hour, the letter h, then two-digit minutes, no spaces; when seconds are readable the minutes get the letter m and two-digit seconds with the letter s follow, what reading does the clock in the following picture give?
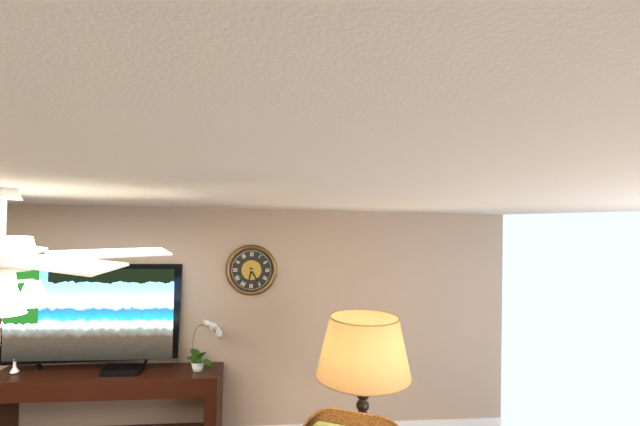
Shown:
6h25
